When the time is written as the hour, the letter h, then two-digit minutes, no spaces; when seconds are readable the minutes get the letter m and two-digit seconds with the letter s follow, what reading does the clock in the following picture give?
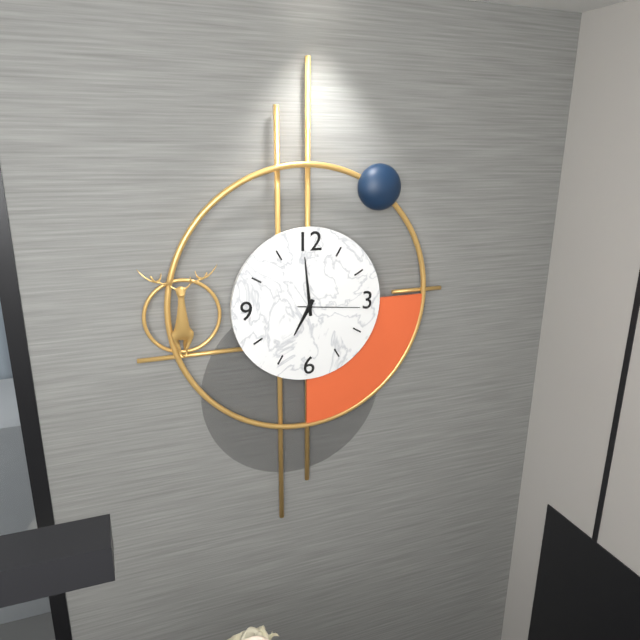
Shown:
6h59m16s
